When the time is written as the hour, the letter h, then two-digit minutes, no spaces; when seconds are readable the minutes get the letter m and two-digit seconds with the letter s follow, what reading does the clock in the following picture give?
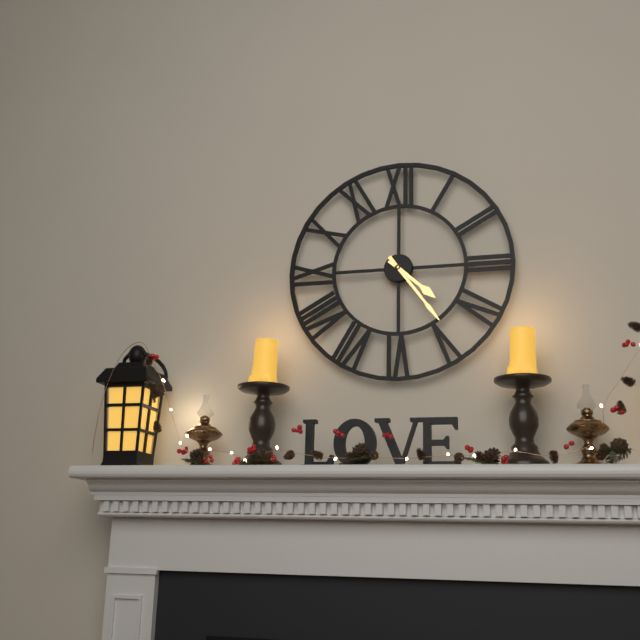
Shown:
4h24
